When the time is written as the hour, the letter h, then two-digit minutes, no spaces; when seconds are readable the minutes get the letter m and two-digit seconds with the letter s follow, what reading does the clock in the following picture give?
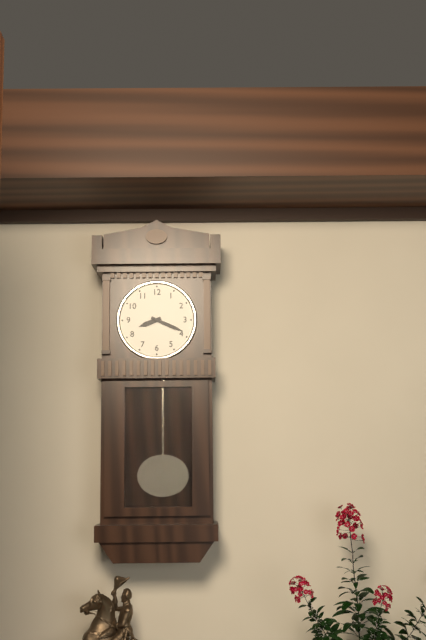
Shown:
8h19
